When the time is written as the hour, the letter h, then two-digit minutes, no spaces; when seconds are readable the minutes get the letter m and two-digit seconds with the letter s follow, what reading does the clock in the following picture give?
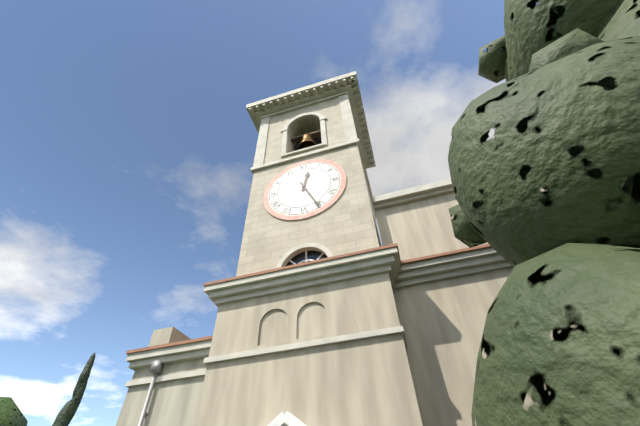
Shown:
12h26
